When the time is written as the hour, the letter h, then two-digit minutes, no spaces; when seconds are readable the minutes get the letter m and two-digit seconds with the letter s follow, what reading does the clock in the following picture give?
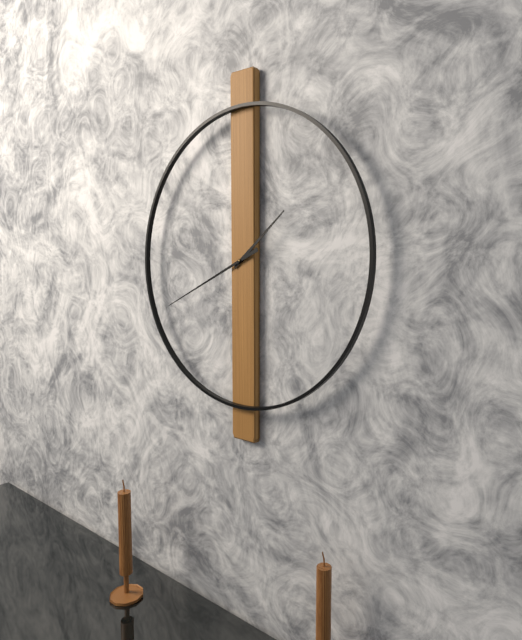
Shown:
1h41
